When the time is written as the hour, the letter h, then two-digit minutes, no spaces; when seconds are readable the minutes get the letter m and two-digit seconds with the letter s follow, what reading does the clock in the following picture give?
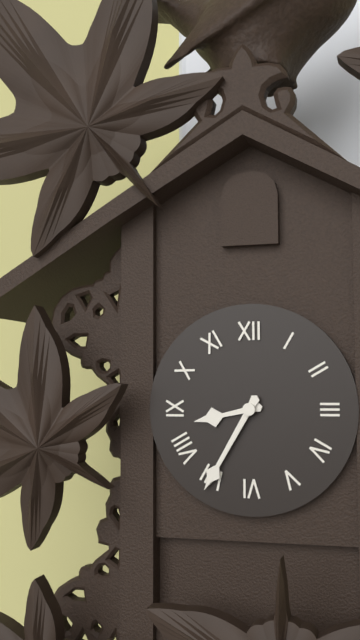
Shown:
8h35
